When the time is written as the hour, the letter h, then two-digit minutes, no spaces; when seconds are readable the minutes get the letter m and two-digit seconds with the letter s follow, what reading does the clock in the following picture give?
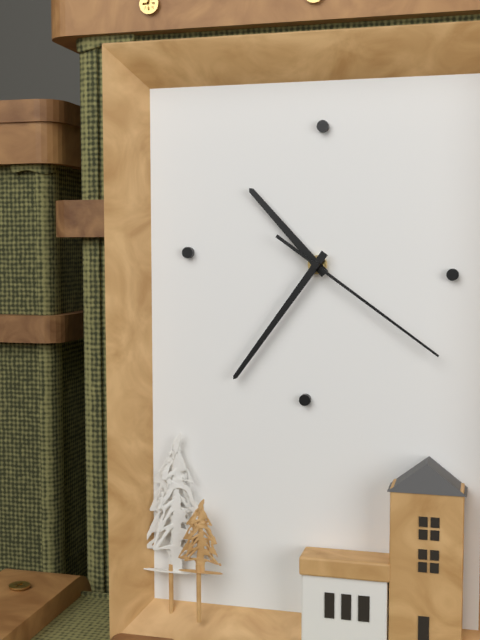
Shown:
10h36m21s
